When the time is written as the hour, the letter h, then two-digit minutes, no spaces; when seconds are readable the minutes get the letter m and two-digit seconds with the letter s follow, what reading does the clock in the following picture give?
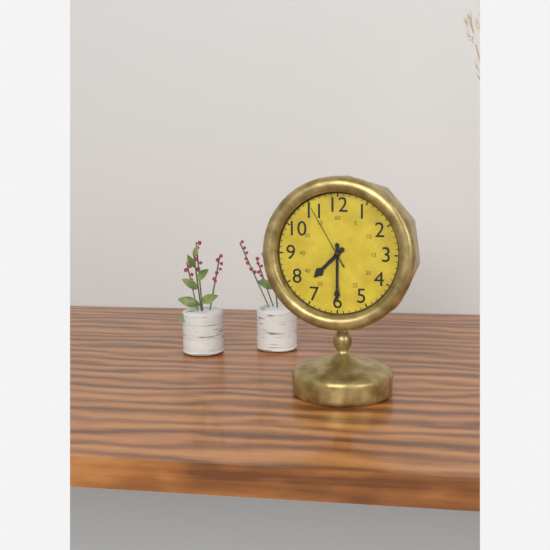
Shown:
7h30m55s
